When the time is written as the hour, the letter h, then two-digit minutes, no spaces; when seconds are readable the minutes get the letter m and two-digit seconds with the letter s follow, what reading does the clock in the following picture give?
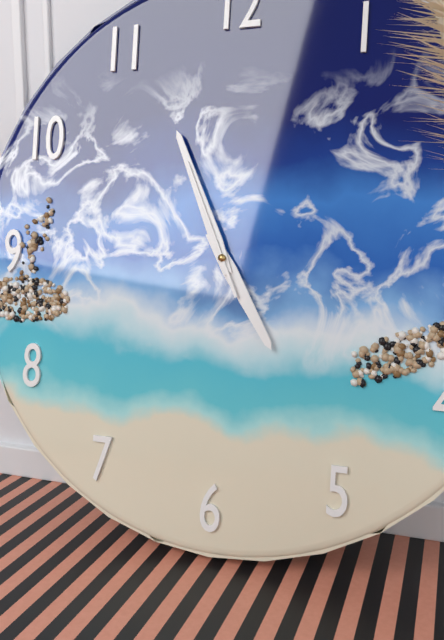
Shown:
4h56m56s
